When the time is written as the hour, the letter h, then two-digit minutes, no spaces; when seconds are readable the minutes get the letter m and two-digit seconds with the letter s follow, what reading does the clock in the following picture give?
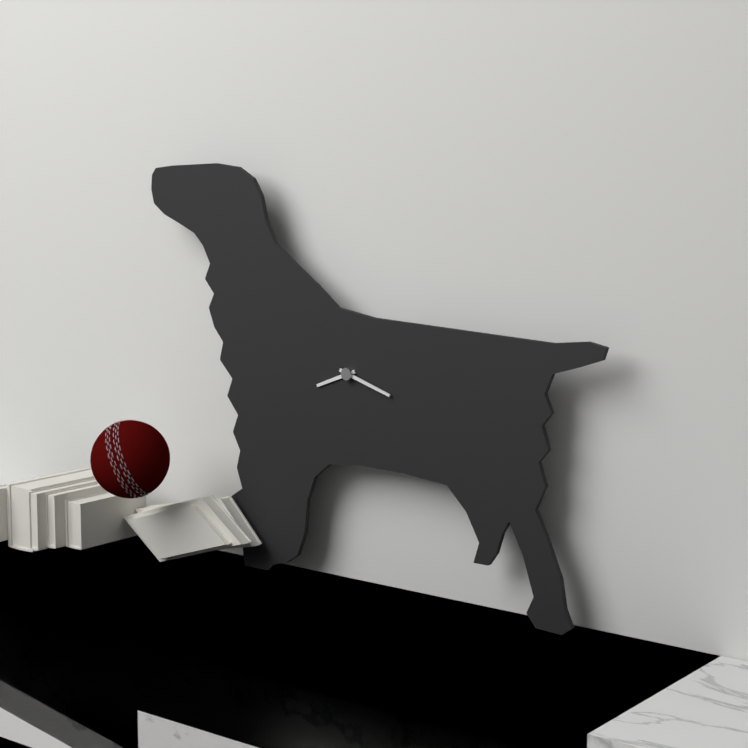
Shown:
8h18
